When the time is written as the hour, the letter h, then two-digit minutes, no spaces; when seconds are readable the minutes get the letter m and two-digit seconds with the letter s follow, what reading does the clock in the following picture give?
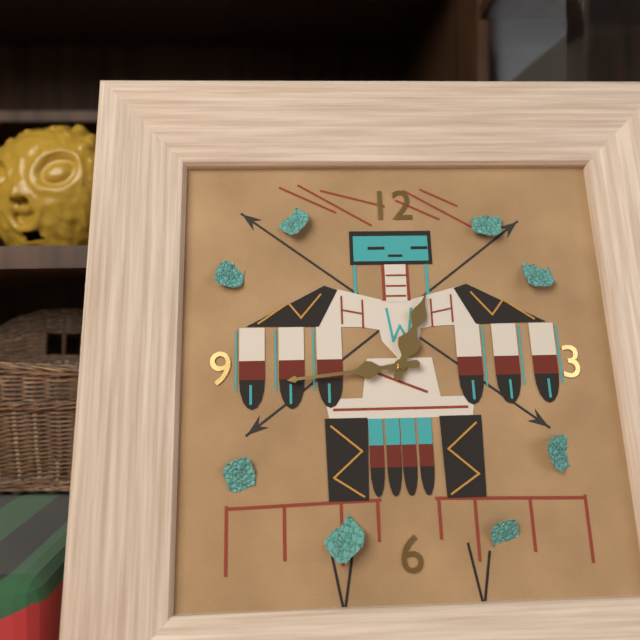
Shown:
12h44
